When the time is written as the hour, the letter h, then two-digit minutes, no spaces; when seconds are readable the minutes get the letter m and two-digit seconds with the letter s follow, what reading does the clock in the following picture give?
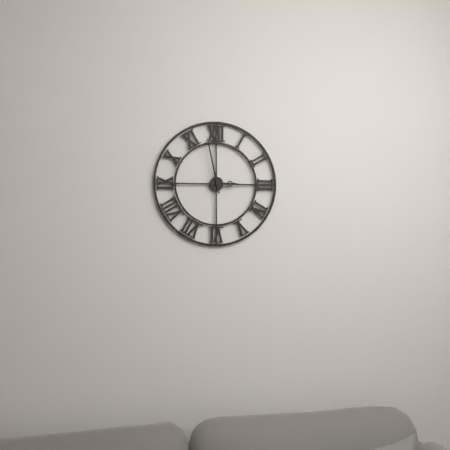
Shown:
2h58
